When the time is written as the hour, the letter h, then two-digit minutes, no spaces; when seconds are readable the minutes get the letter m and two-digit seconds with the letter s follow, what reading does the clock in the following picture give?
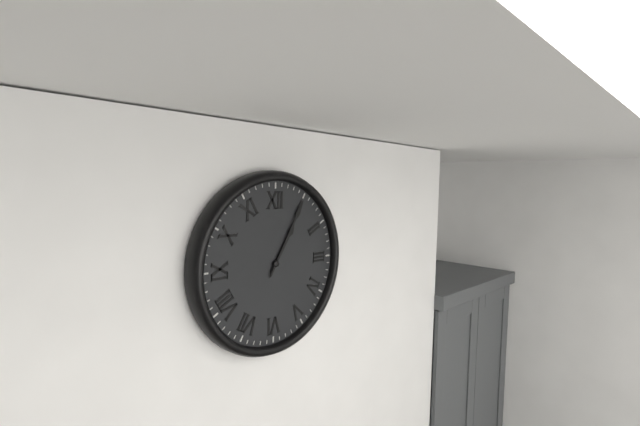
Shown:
1h05
